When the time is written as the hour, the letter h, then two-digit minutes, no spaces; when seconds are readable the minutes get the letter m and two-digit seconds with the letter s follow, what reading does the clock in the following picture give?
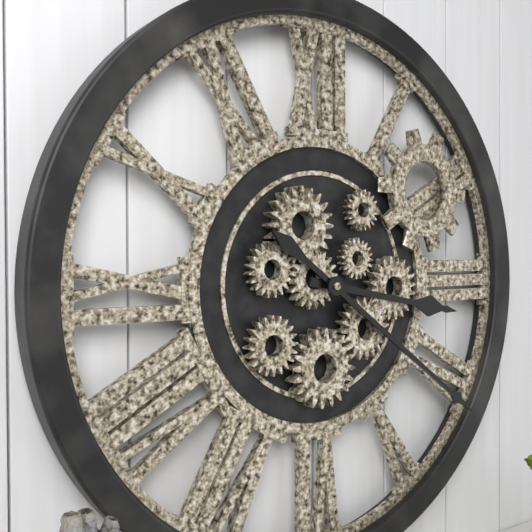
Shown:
3h21
